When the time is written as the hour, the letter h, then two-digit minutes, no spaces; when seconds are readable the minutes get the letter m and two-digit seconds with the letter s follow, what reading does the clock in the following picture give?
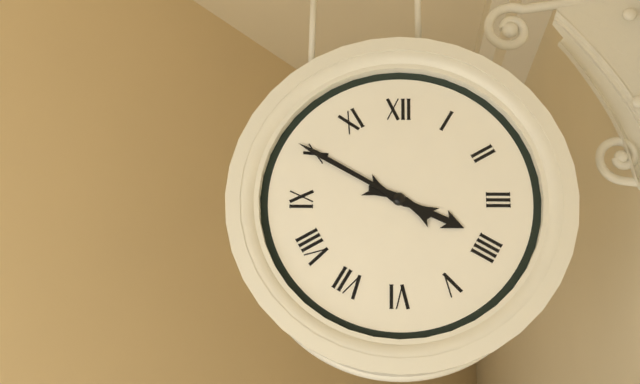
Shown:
3h50
